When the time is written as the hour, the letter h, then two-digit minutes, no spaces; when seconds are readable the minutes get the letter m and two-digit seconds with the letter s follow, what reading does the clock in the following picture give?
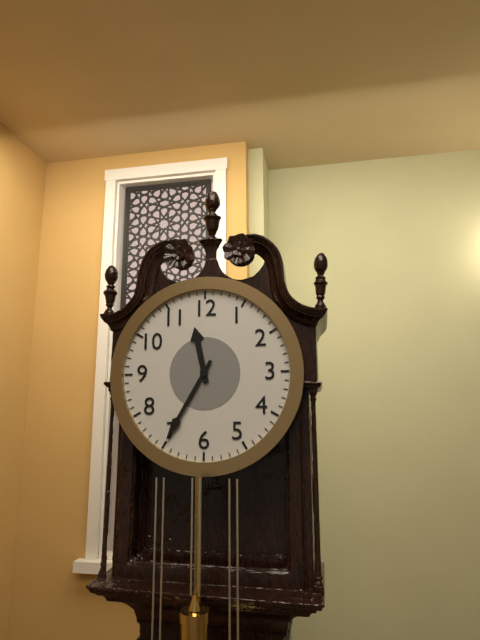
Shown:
11h35
